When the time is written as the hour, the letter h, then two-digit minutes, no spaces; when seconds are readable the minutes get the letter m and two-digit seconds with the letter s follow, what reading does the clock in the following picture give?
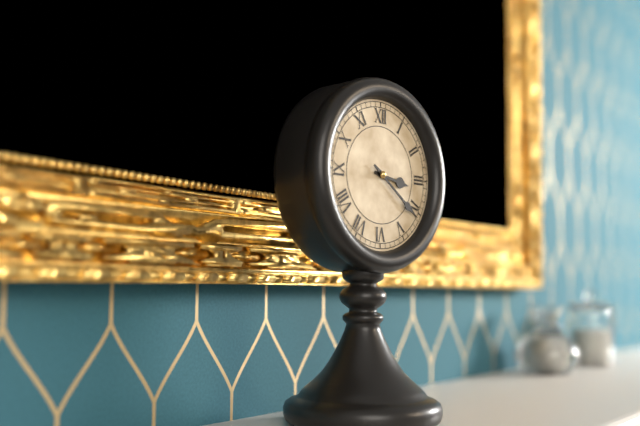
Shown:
3h21
